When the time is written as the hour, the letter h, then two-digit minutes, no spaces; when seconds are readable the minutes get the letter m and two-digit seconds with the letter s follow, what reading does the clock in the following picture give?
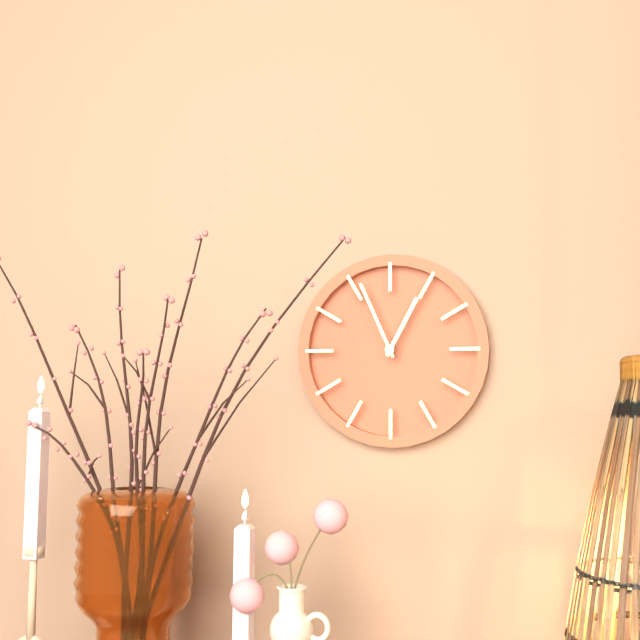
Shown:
12h56
